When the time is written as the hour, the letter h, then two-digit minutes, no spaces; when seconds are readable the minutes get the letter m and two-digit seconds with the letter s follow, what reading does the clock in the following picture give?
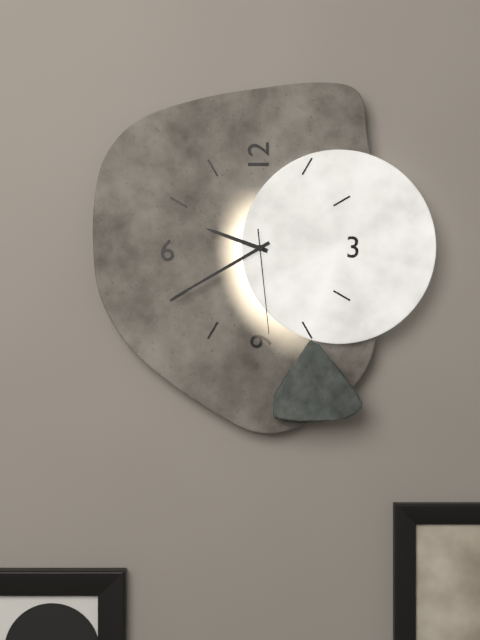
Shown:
9h40m29s
